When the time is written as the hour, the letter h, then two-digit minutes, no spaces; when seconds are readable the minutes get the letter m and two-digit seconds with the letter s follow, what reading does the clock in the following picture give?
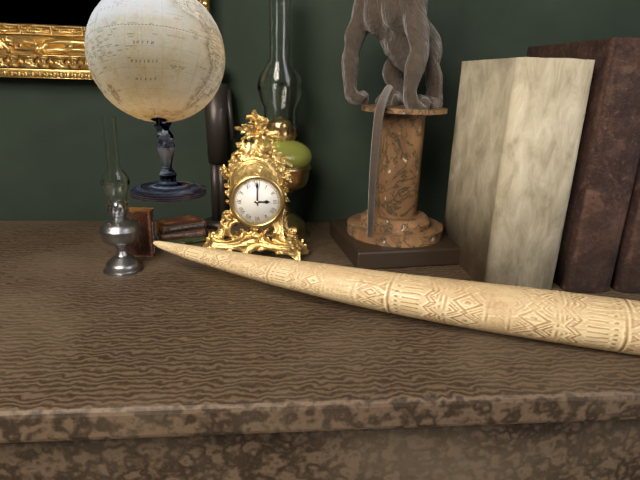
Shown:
3h00
